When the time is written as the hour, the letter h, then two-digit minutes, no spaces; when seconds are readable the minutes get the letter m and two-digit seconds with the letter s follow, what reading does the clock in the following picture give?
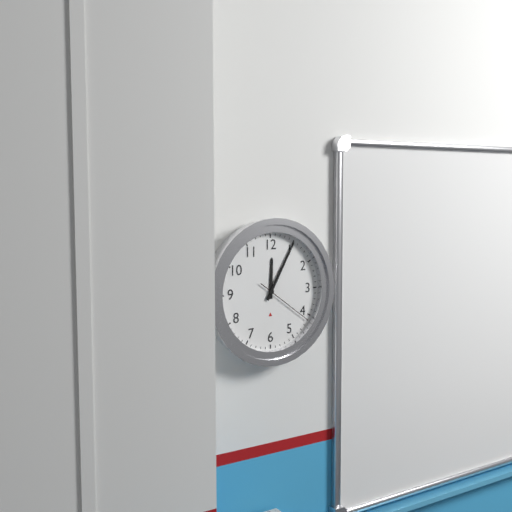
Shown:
12h05m21s
